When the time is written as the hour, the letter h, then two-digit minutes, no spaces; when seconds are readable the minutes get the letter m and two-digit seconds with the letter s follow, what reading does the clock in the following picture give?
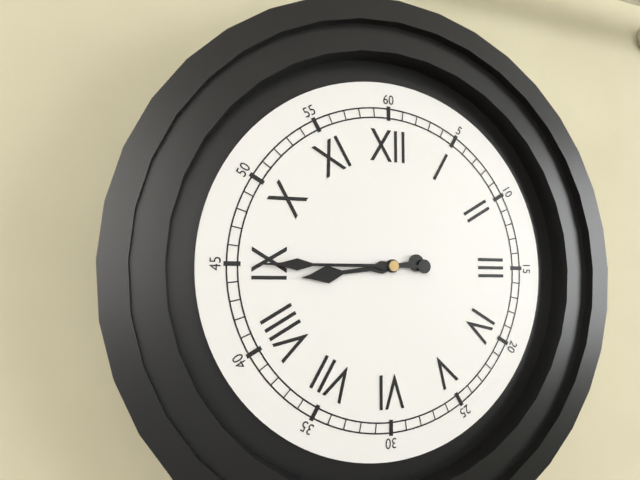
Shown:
8h45
